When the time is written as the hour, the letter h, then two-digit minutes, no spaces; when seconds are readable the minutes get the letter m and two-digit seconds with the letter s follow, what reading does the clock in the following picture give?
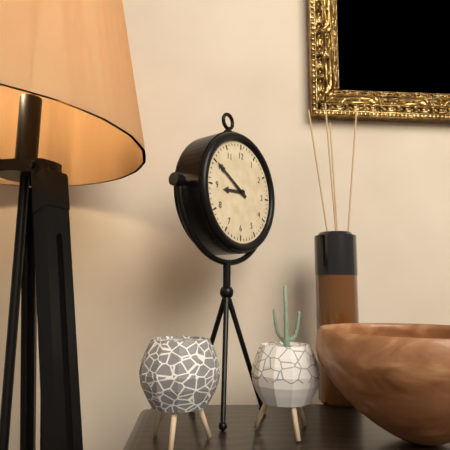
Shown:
8h50
